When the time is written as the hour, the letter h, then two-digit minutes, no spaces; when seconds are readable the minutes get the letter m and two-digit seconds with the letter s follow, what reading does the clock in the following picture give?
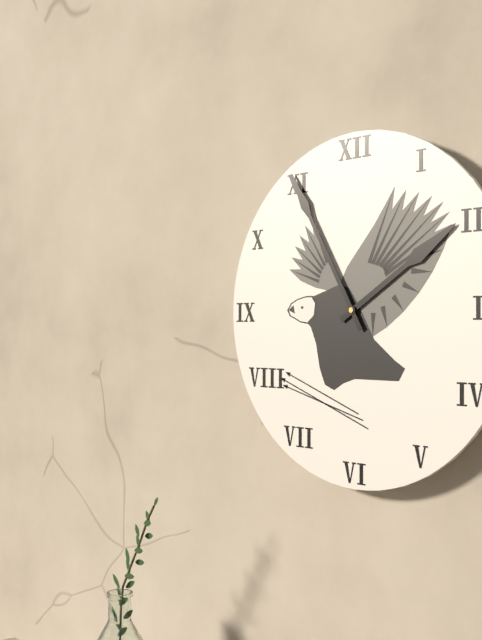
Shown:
1h55
